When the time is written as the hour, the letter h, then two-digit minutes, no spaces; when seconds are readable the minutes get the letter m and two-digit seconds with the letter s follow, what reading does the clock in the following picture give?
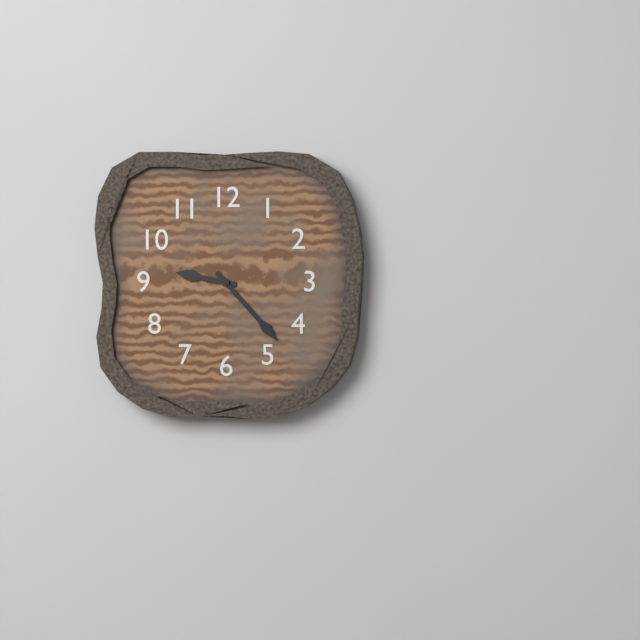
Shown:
9h23
